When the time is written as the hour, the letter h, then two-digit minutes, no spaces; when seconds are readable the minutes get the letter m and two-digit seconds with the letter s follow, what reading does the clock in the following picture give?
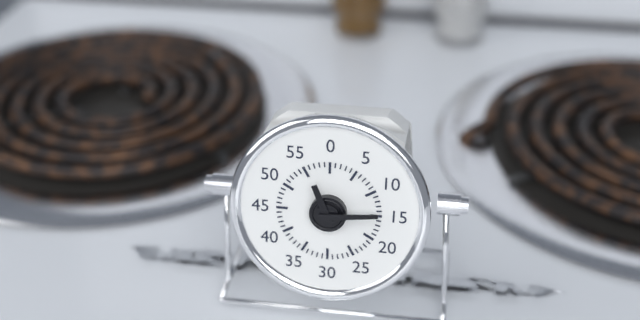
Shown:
11h14
